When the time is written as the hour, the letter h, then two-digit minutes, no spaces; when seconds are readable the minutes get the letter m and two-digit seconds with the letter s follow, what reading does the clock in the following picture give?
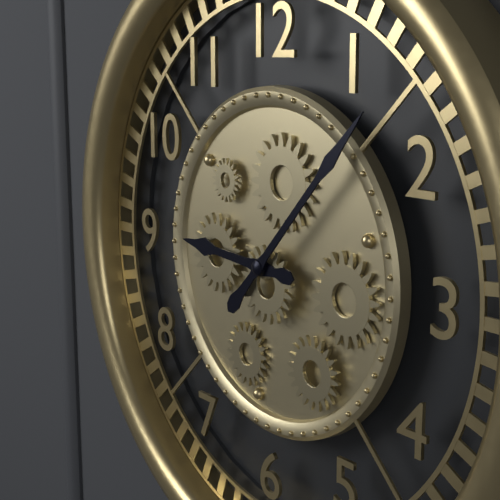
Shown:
9h07
